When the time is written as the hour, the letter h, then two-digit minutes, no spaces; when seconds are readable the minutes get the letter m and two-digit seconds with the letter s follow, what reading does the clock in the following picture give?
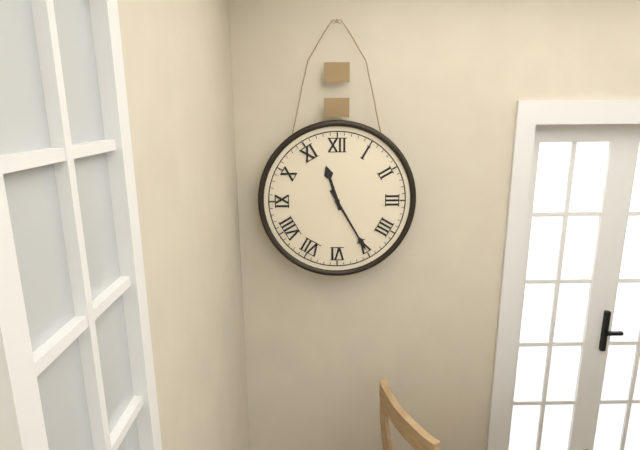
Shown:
11h25
